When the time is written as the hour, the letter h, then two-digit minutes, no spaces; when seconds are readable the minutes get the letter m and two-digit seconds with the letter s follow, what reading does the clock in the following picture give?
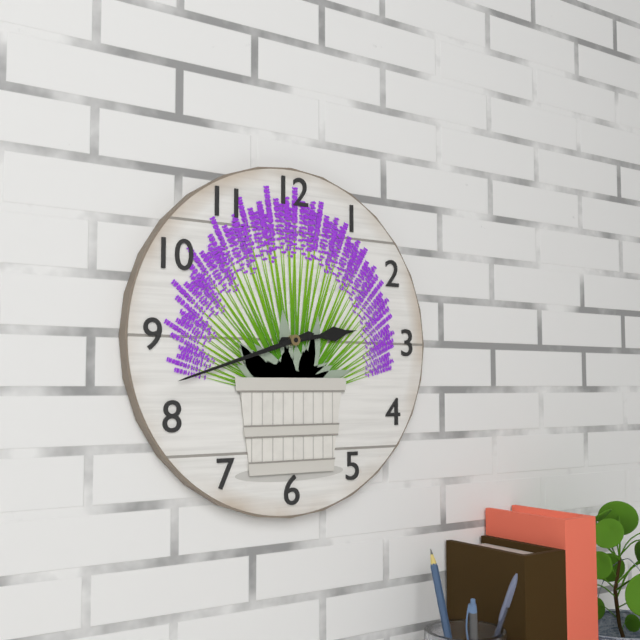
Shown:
2h42
